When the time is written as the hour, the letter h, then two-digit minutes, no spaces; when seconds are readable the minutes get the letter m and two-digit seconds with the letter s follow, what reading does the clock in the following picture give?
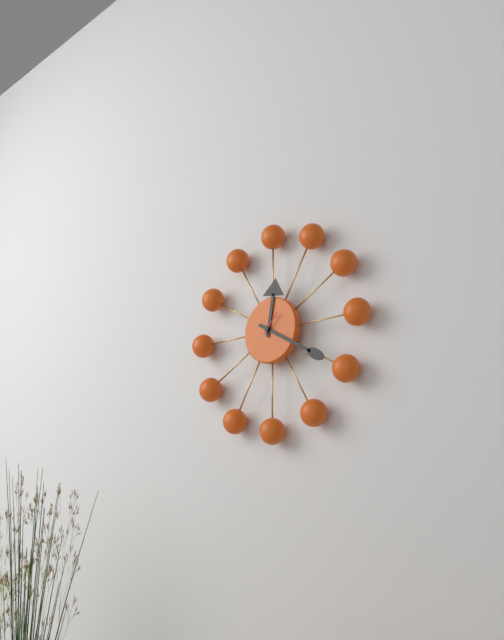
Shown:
12h20
